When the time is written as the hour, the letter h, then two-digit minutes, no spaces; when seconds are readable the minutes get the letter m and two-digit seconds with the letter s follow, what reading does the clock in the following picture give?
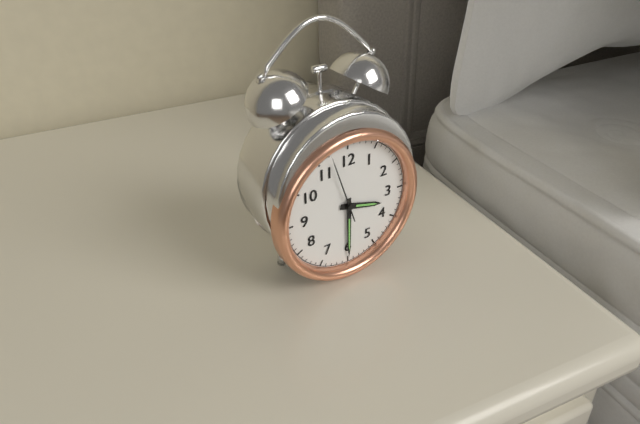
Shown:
3h30m57s
